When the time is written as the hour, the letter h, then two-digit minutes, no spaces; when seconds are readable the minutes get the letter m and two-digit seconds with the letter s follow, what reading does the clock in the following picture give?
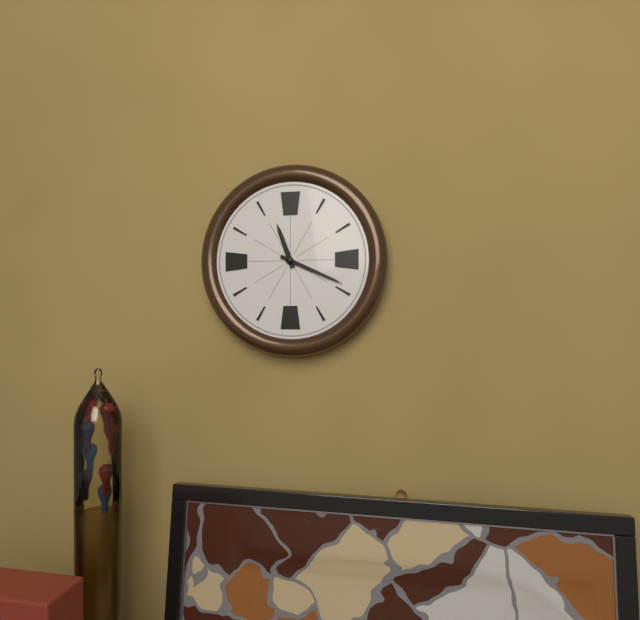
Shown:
11h19
